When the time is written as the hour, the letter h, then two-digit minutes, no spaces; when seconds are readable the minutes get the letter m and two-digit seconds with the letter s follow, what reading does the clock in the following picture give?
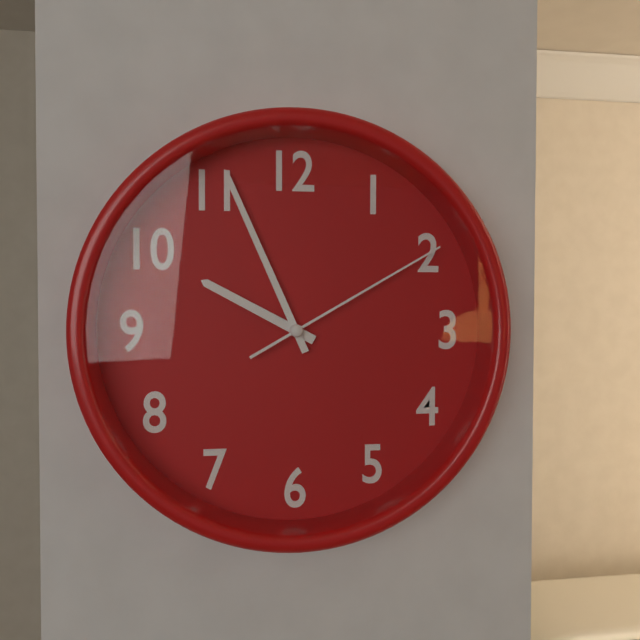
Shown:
9h56m10s
